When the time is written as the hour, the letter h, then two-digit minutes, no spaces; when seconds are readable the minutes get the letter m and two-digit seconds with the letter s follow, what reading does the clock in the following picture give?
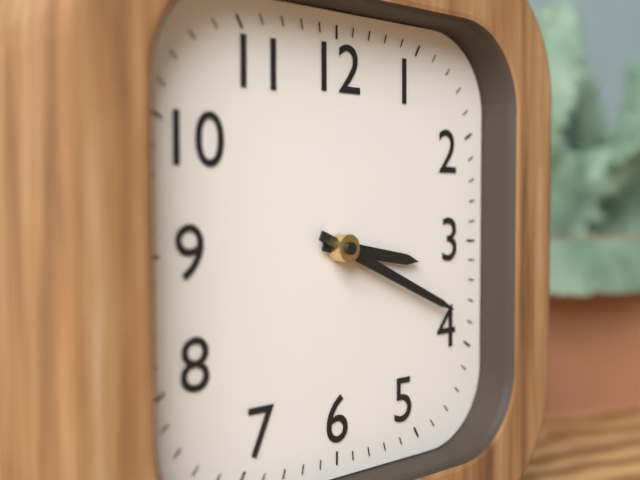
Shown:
3h19
